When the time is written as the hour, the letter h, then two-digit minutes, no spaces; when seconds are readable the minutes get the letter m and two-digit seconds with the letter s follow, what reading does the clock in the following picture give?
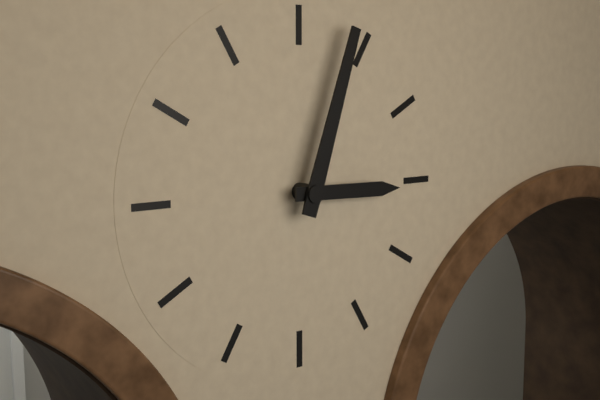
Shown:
3h03
